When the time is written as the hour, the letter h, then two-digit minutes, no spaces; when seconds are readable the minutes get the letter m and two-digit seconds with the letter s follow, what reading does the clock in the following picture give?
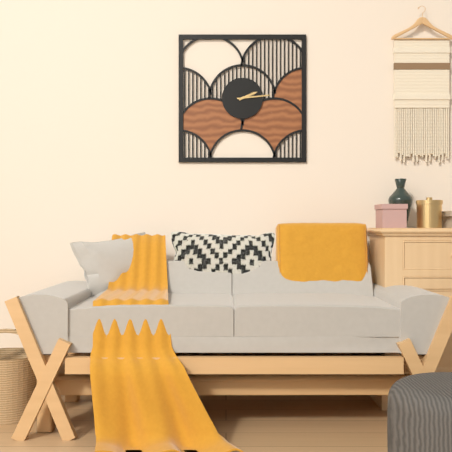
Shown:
2h14
